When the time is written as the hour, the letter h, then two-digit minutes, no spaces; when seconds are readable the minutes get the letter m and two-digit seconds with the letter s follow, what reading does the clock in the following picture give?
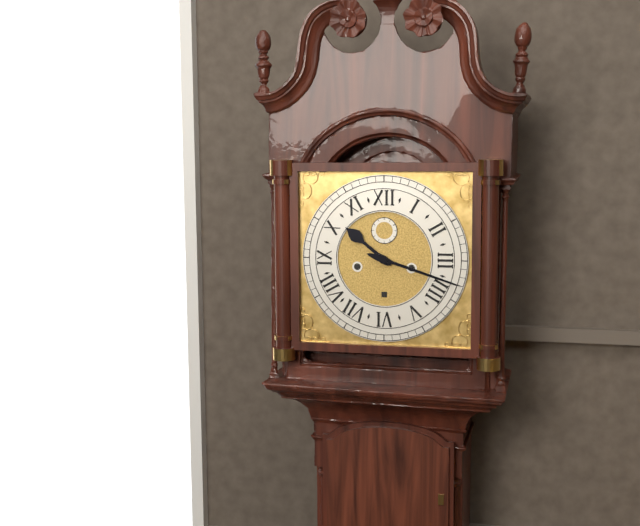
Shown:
10h18
